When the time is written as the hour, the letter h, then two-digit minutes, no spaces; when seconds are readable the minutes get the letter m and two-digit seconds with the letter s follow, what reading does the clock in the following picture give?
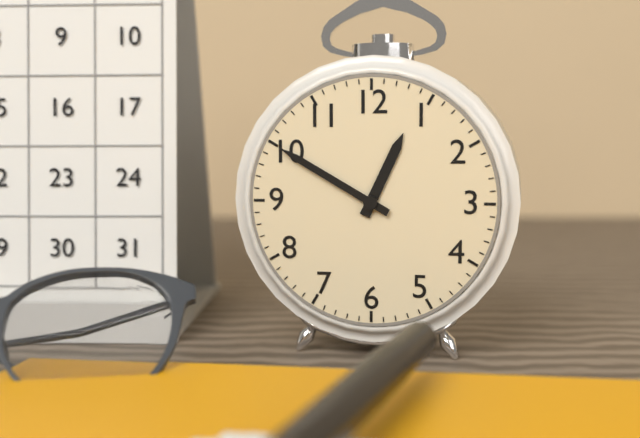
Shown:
12h50
